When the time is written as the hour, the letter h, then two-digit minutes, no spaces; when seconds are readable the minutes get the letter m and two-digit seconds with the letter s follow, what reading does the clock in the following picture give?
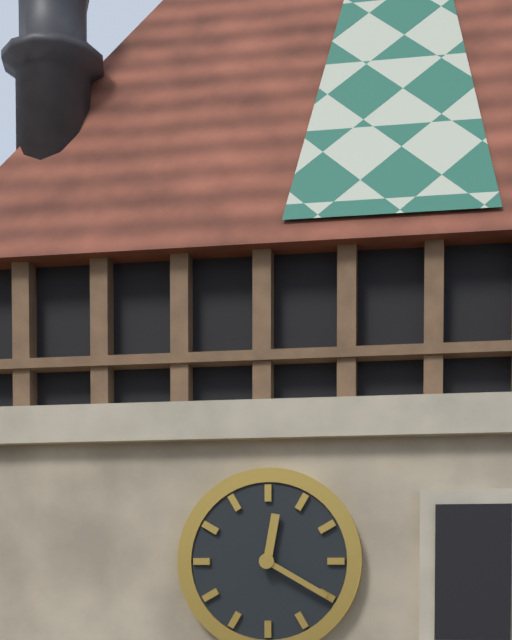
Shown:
12h20
